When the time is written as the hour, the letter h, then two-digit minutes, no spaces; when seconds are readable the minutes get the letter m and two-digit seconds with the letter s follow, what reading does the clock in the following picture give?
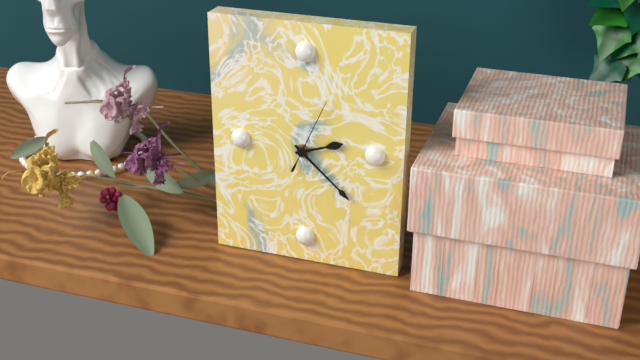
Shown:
2h22m04s
